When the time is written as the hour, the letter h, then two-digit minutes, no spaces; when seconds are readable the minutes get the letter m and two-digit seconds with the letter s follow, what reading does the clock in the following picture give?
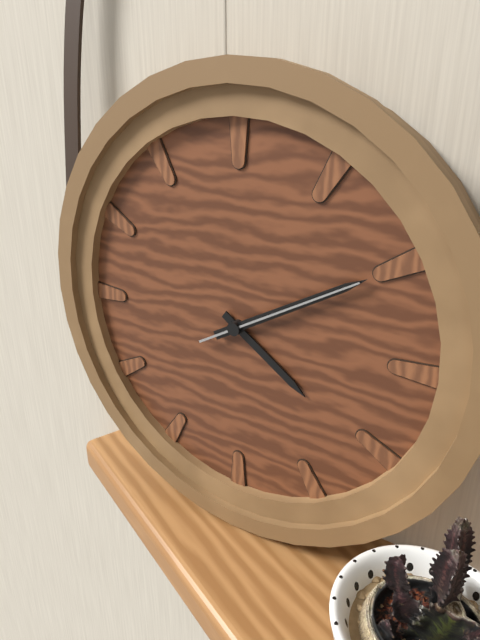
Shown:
4h10m10s
